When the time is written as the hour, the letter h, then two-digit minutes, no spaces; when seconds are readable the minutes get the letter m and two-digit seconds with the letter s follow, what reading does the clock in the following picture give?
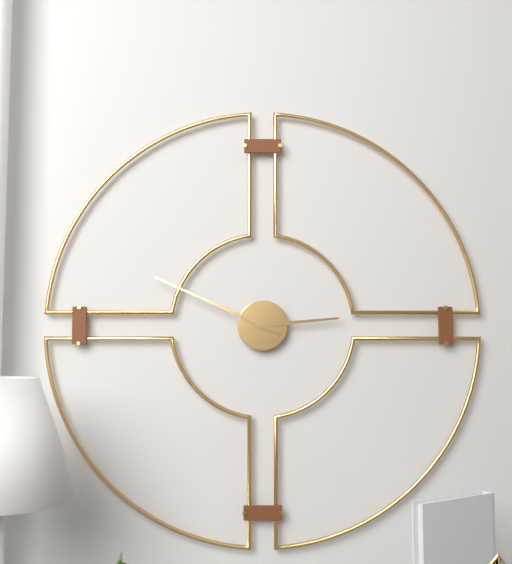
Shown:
2h49
